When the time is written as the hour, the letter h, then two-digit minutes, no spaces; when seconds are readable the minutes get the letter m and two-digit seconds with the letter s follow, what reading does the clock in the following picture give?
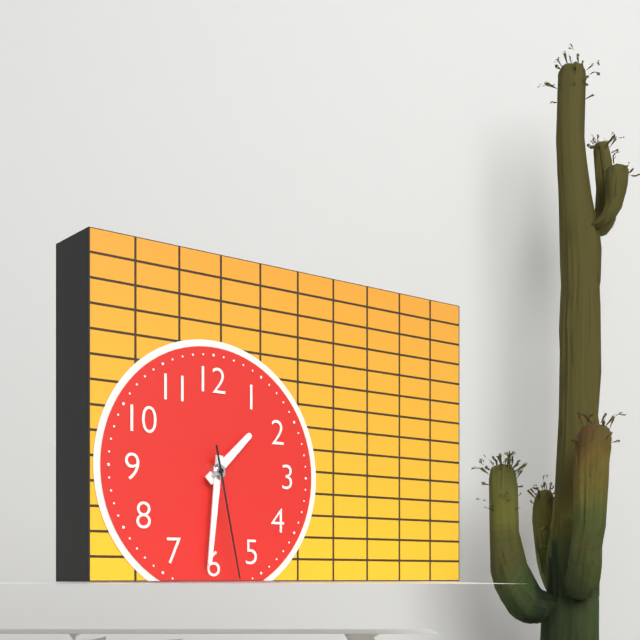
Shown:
1h31m28s
